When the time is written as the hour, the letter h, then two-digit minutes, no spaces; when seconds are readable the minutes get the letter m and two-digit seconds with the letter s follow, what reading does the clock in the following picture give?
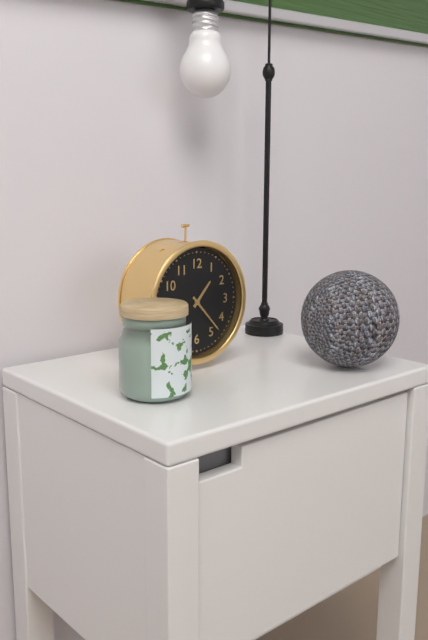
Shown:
1h23
